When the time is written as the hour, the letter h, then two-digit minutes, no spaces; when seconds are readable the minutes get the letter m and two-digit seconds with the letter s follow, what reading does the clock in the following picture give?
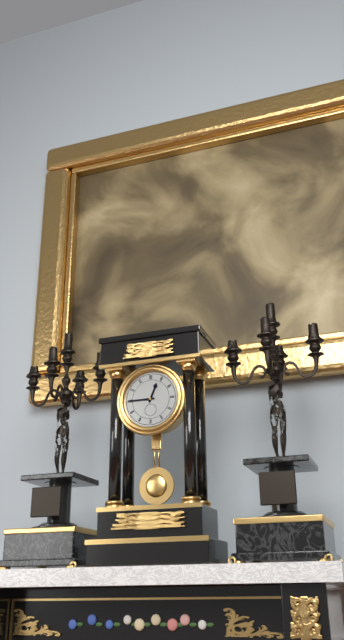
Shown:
12h45
